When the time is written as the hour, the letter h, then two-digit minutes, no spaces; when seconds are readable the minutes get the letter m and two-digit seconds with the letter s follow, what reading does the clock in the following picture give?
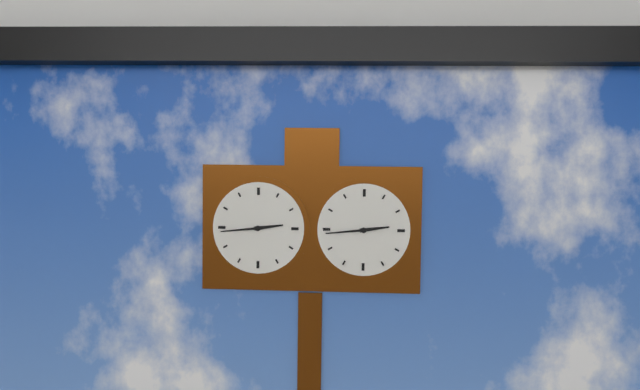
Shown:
2h44
